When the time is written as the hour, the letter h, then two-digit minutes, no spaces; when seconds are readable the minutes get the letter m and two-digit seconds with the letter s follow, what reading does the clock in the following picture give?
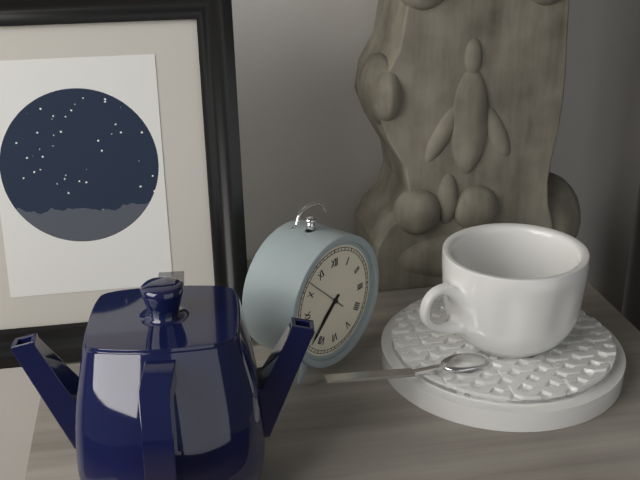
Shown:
7h38
